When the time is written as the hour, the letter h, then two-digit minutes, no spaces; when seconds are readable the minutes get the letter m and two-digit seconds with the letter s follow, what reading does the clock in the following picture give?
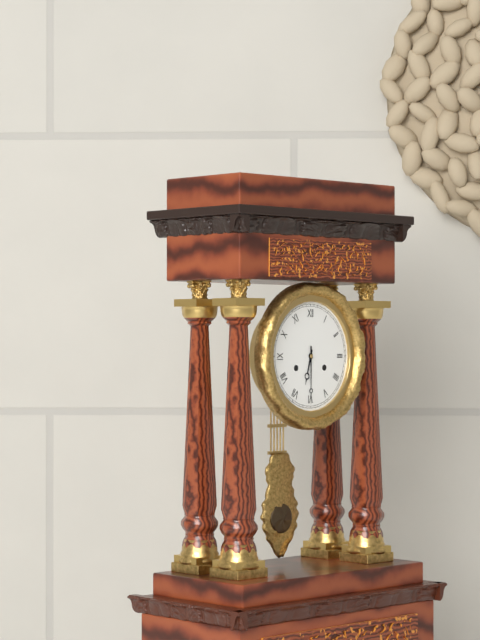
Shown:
6h30
